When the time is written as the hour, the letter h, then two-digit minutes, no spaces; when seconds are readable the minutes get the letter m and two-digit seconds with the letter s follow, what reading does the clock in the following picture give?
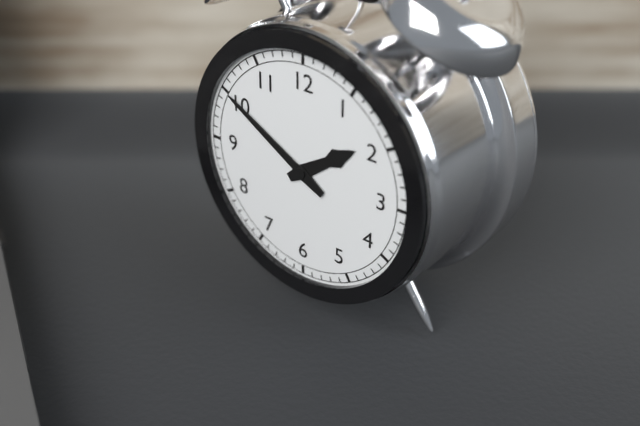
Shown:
1h50
